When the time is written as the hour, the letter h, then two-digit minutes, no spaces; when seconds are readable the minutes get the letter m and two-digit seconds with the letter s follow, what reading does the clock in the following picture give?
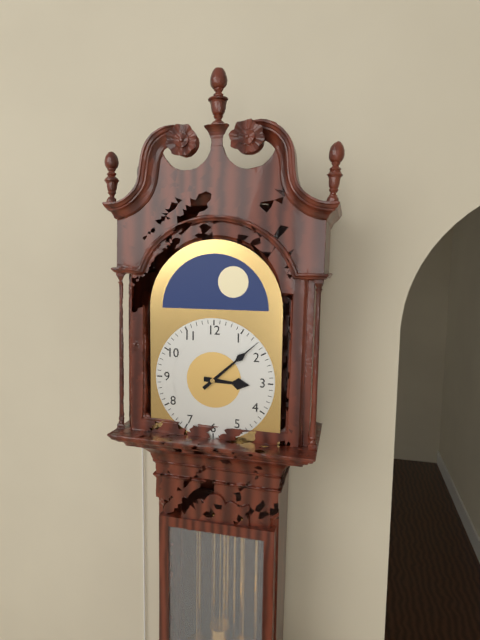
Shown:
3h08
